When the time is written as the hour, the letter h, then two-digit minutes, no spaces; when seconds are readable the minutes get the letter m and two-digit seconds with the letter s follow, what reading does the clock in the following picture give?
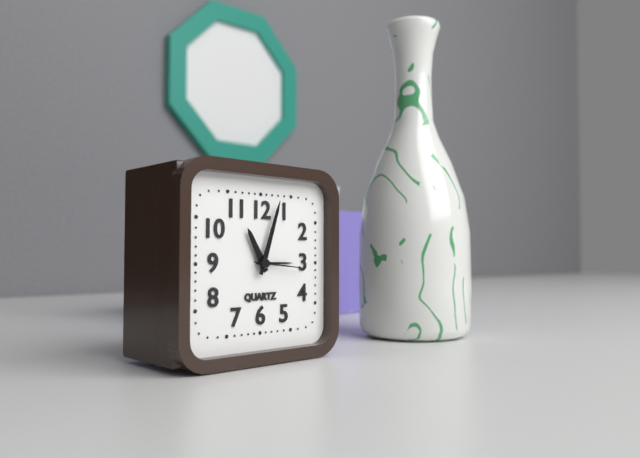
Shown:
11h03m16s
